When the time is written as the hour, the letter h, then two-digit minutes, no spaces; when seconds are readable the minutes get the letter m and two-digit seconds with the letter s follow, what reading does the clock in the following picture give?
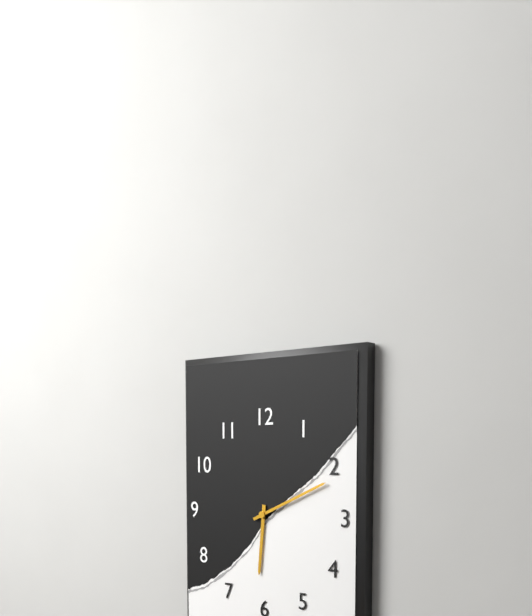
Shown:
6h11
